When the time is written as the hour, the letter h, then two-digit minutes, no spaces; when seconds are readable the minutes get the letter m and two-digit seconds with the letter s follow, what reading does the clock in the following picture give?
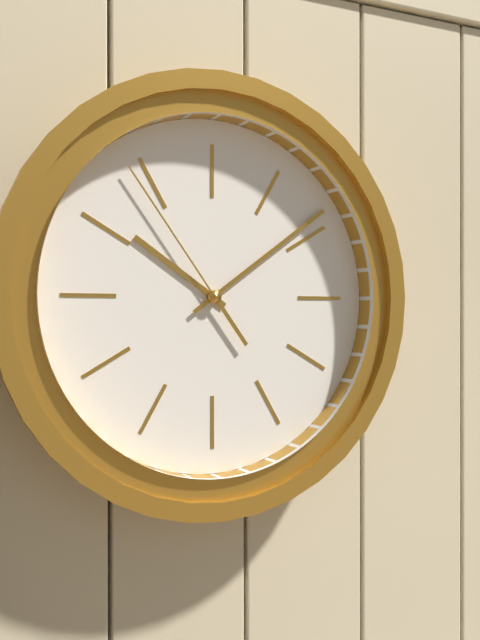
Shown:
10h09m54s
